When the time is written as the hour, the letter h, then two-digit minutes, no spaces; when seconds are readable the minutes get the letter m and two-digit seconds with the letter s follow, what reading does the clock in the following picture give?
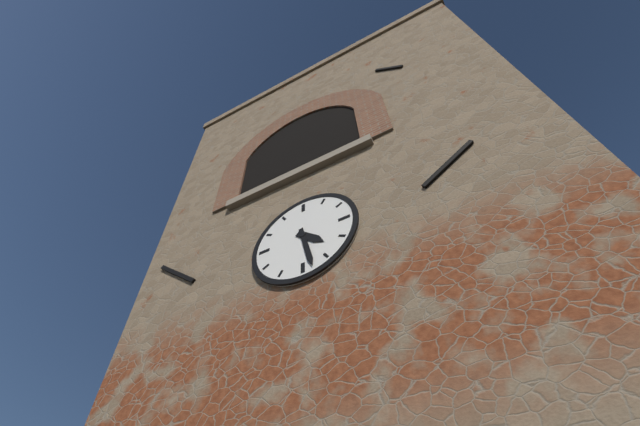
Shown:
4h28
